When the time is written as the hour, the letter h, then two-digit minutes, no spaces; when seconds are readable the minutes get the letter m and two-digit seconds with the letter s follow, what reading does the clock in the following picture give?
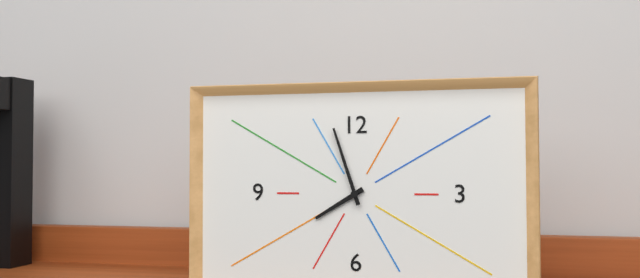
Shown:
7h57
